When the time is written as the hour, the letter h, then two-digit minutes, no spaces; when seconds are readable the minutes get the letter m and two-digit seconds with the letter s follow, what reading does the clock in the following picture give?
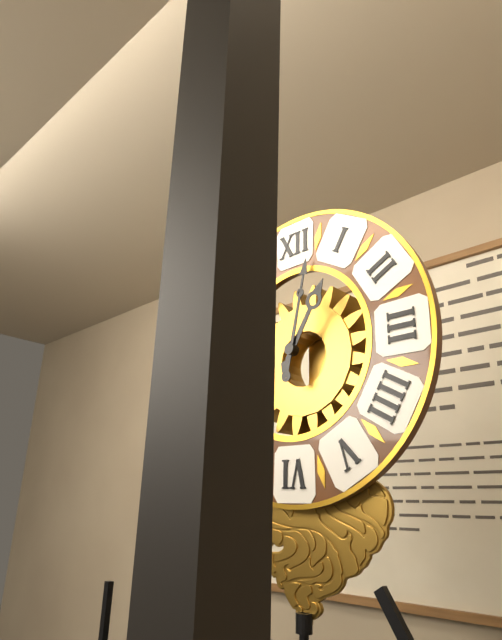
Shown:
1h02
